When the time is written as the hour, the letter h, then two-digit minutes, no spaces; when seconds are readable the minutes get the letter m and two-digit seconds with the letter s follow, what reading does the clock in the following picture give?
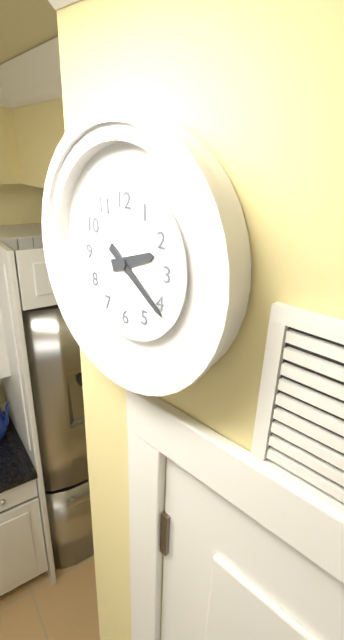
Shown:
2h21
